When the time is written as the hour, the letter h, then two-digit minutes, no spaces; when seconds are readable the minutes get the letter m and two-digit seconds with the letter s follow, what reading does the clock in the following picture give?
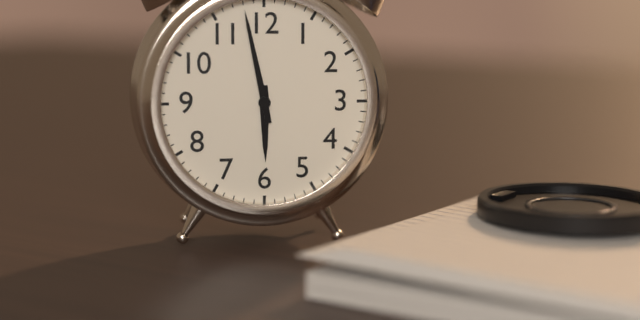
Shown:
5h58
